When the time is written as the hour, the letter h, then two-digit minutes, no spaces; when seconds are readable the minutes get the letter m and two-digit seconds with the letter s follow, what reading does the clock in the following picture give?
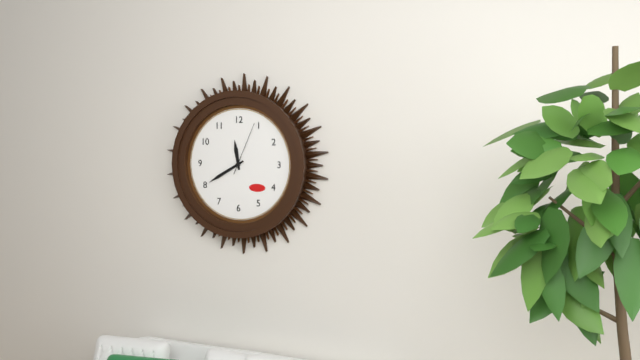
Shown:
11h40m04s
